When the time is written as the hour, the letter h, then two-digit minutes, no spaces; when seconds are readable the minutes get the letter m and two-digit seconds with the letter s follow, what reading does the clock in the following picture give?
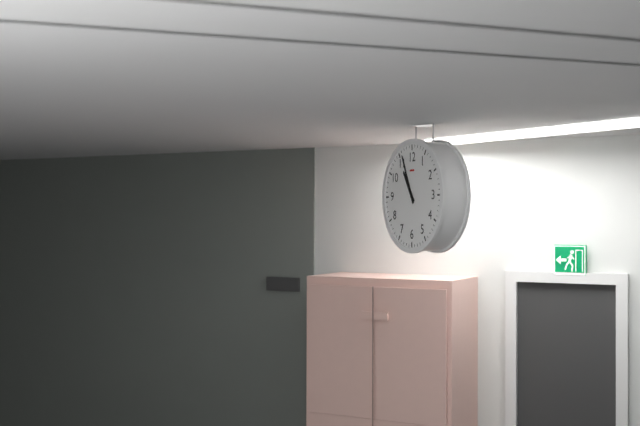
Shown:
10h56
